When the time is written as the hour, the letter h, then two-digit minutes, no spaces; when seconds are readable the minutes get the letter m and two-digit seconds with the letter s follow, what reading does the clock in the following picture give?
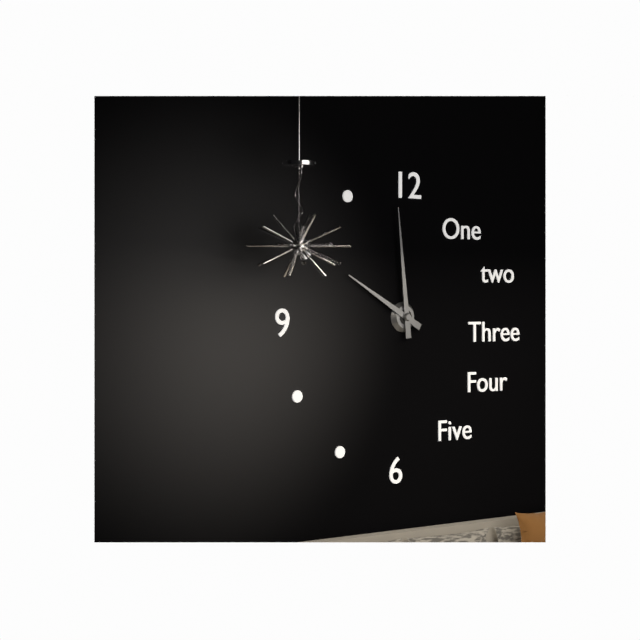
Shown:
9h59
